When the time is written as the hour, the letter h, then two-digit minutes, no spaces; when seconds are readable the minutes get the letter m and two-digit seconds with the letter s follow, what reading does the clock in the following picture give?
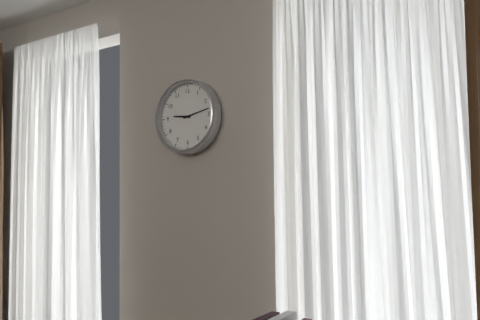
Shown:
9h13
